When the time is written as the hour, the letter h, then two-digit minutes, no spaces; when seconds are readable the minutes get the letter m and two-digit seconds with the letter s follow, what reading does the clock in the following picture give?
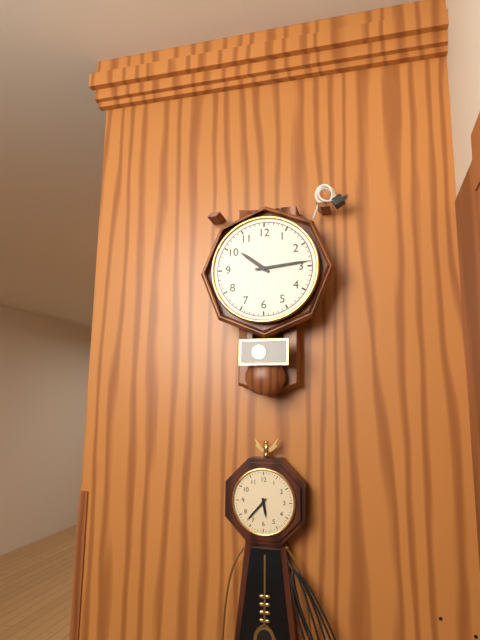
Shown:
10h14
